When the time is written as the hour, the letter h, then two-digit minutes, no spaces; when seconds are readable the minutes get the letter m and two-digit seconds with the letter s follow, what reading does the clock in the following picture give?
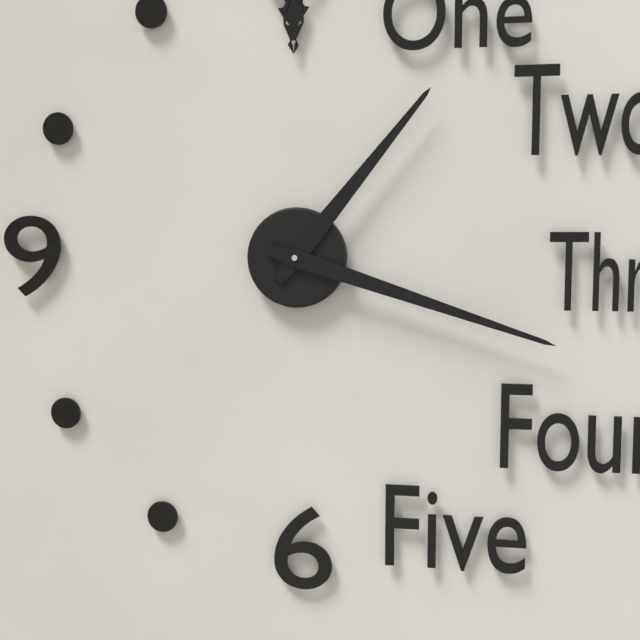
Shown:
1h18
